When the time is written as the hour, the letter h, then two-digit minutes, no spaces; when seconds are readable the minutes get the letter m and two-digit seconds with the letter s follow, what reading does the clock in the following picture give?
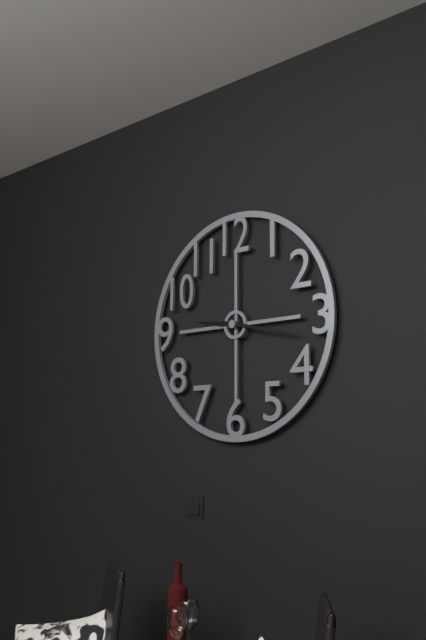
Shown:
9h17
